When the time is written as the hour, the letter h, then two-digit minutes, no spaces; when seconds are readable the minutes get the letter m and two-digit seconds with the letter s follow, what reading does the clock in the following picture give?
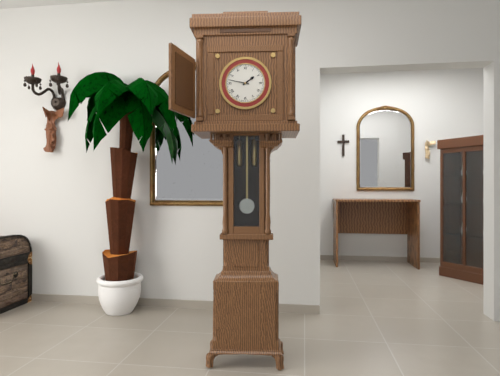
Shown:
1h47
